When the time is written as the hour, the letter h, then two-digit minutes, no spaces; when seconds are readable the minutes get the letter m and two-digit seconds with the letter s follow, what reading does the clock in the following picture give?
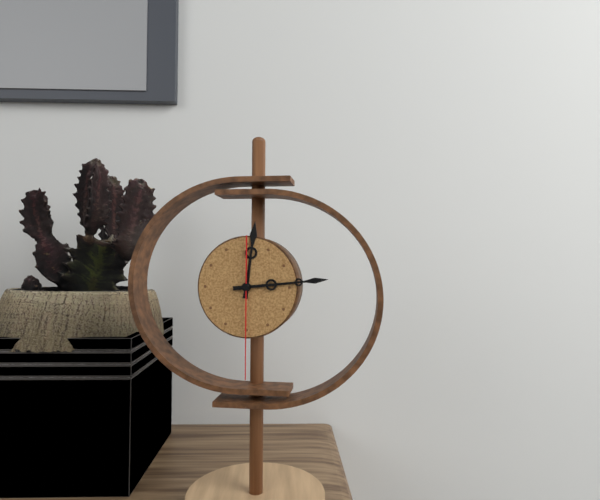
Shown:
12h14m30s
